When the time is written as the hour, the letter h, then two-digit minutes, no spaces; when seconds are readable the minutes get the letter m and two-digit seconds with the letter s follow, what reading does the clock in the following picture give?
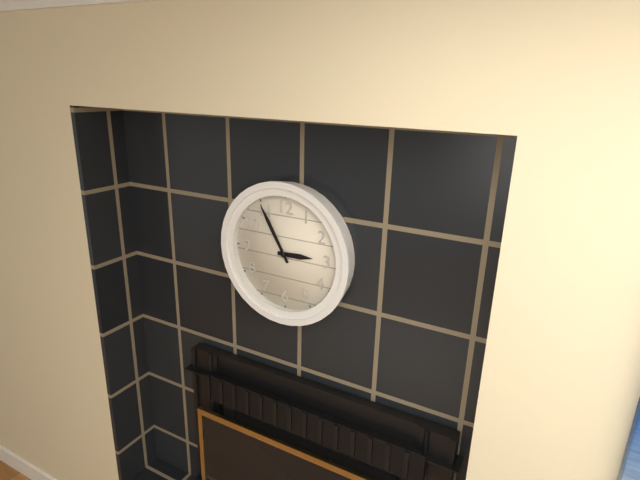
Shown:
2h55
